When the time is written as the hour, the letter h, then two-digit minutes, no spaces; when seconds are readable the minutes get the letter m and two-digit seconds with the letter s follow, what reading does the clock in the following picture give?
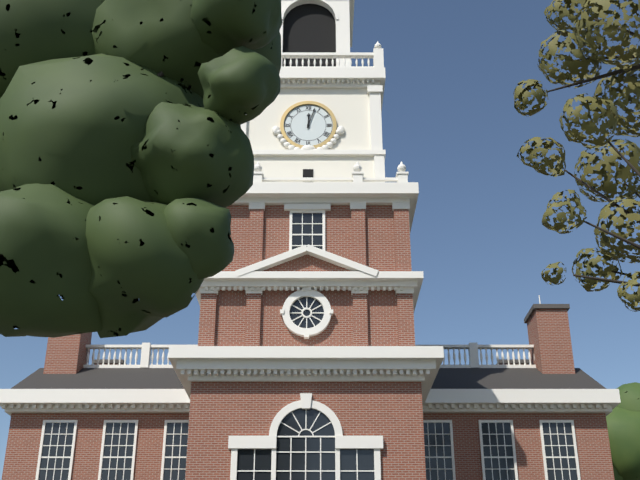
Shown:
12h03
